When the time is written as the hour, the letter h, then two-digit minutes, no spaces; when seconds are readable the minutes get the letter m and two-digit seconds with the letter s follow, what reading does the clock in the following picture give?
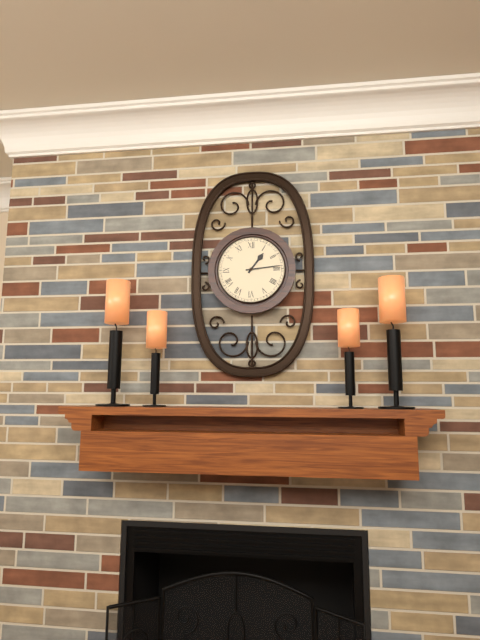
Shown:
1h14
